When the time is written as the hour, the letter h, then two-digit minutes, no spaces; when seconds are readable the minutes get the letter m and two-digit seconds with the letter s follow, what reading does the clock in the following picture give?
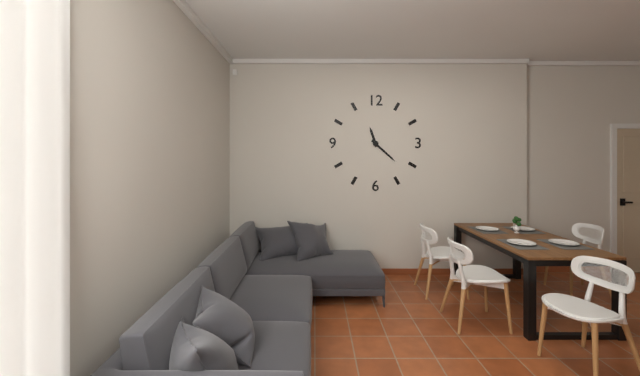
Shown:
11h22
